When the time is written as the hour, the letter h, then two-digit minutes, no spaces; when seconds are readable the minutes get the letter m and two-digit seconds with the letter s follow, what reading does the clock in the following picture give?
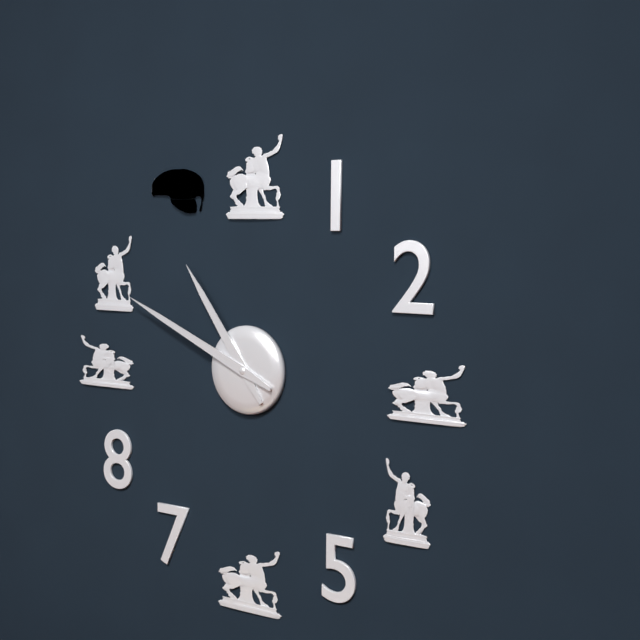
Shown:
10h49
